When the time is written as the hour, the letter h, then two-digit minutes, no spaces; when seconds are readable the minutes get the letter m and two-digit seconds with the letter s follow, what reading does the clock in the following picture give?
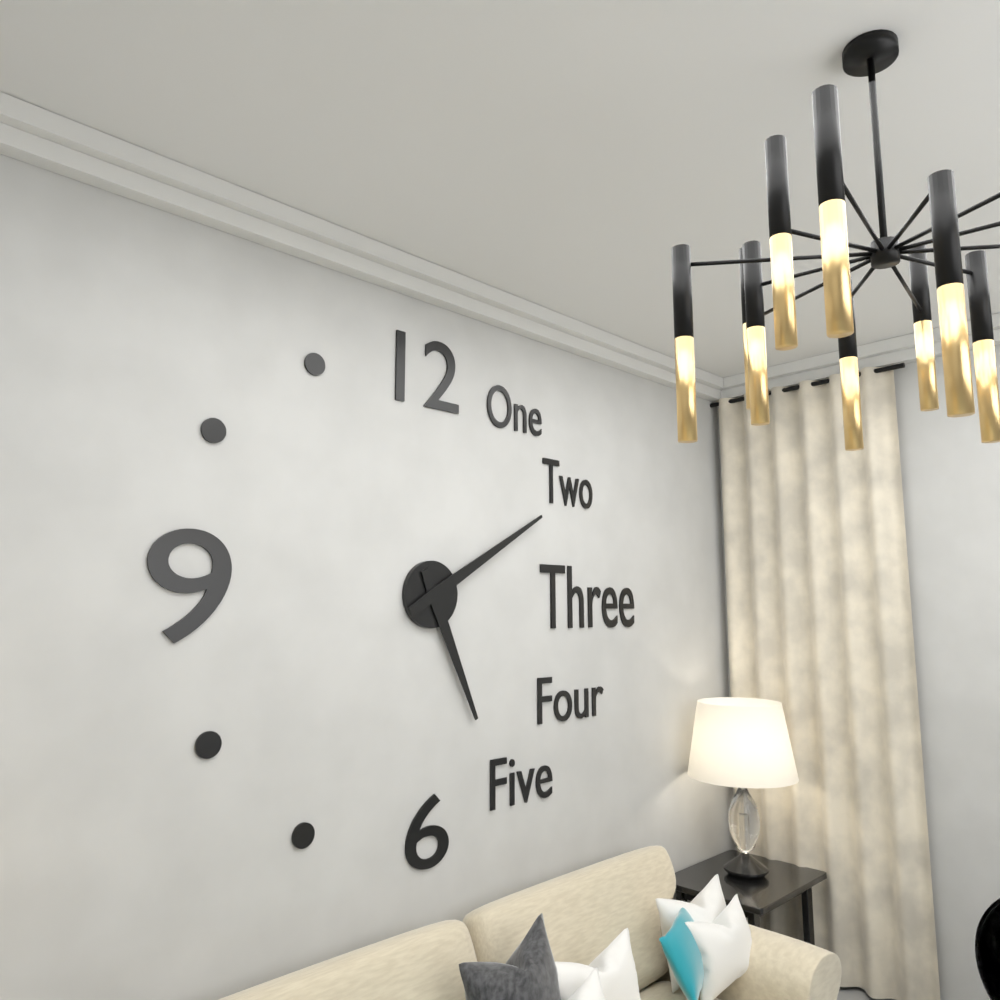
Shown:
5h10
